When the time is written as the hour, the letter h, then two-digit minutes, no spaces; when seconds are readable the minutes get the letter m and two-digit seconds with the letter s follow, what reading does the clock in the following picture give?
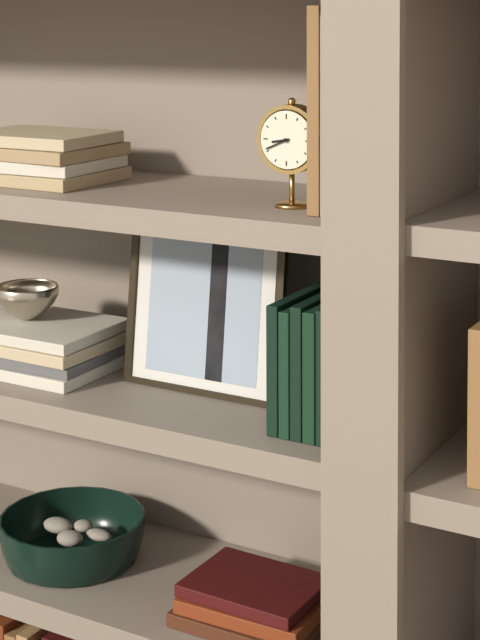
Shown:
8h41
